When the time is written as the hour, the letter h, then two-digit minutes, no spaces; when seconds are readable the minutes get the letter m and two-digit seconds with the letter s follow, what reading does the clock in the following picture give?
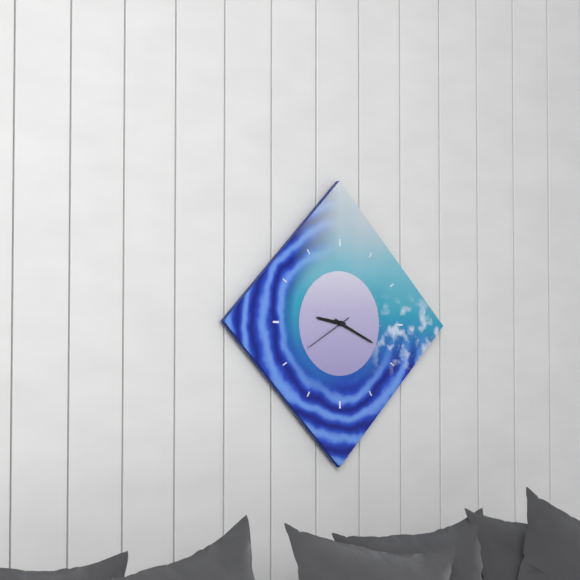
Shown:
9h19m40s
